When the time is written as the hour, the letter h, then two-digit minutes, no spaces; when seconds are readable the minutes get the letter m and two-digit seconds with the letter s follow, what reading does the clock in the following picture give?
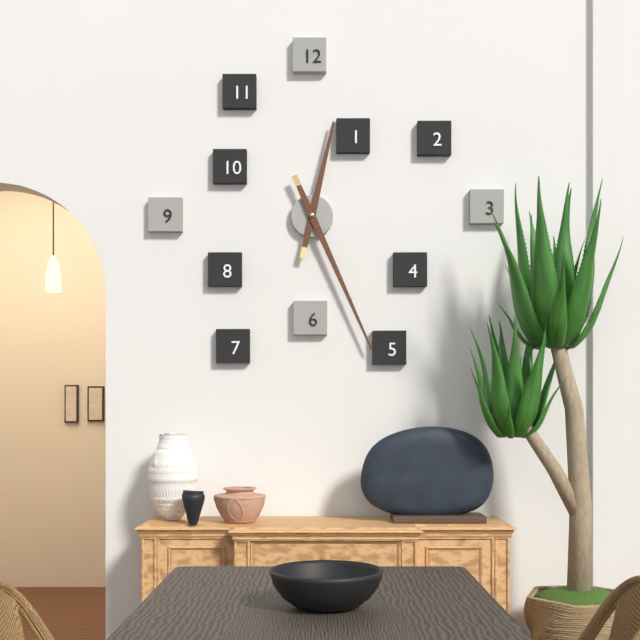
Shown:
12h26
